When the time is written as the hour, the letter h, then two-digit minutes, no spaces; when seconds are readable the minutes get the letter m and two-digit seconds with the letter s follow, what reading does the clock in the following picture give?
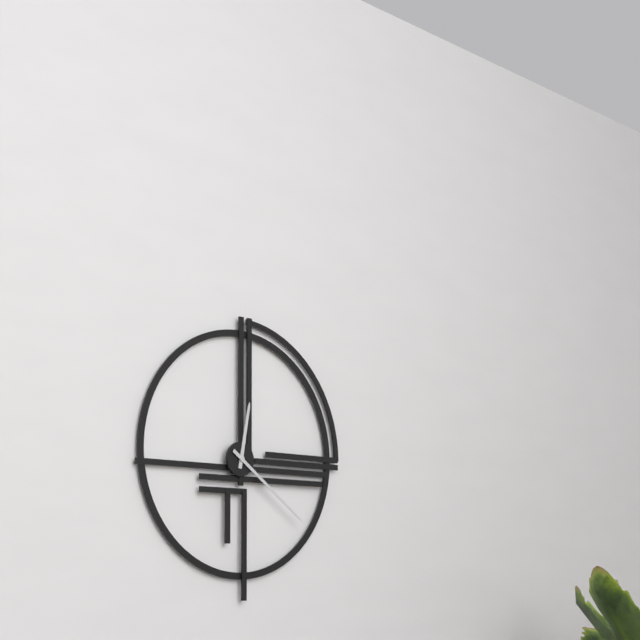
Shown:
12h21
